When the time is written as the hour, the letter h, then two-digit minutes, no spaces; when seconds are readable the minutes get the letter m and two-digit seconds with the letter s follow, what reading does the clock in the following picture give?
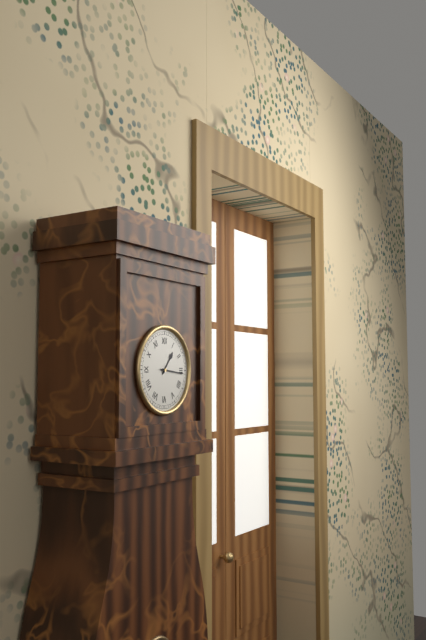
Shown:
1h16
